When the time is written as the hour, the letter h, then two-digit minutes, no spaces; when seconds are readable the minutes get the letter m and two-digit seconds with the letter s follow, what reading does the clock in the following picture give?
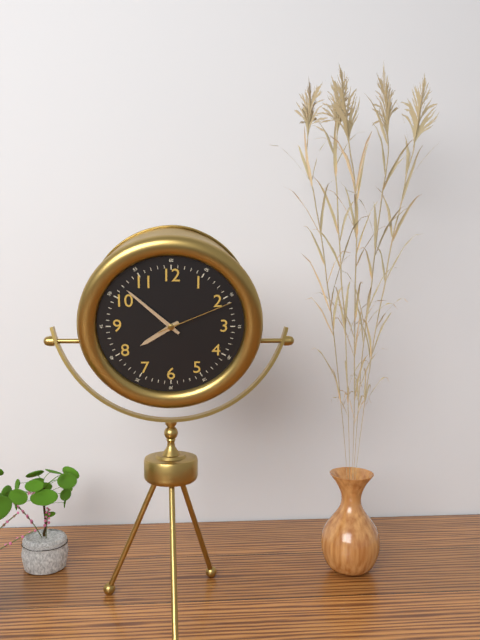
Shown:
7h52m11s
